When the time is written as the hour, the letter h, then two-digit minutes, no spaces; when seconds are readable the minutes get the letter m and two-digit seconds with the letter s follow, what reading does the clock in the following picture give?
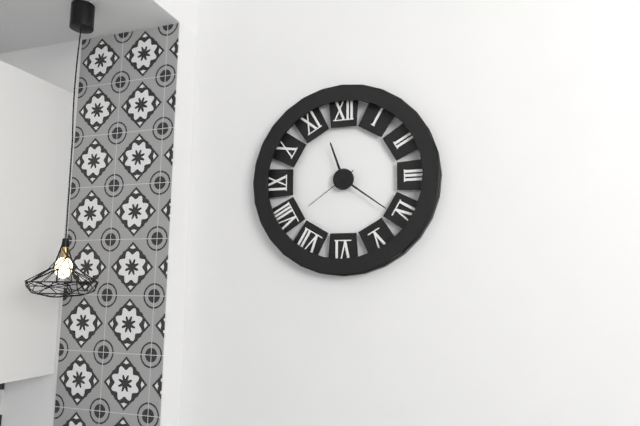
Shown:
11h21m39s
